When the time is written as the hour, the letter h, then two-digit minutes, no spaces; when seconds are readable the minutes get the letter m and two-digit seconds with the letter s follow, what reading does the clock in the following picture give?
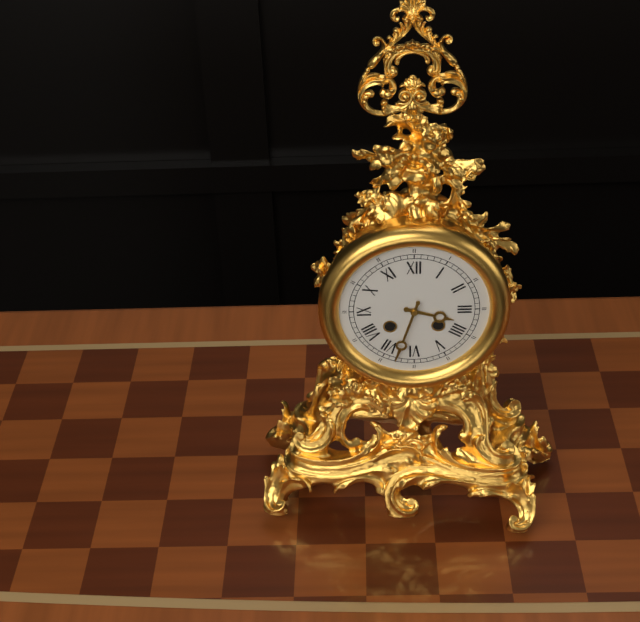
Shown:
3h33
